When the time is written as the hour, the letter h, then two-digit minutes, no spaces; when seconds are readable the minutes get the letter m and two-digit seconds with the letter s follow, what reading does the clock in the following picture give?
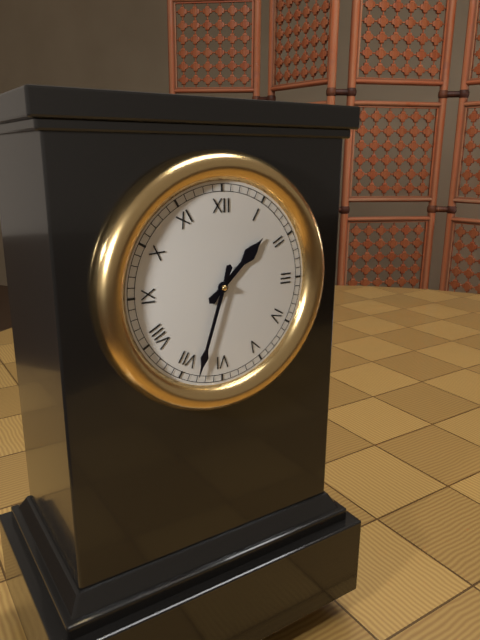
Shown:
1h33
